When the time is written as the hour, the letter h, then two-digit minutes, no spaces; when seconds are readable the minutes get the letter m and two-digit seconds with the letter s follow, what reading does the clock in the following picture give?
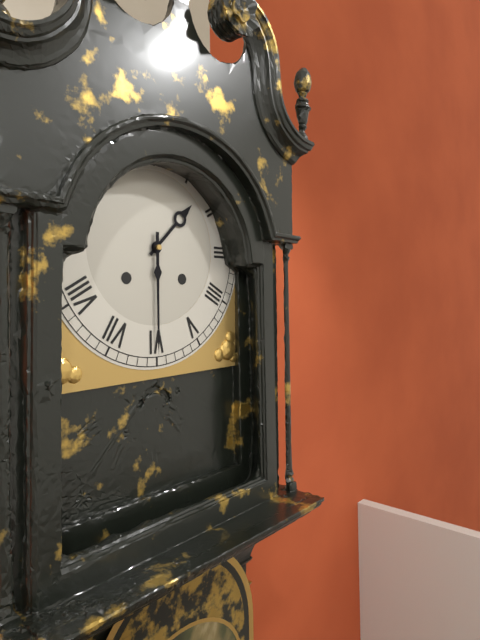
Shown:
1h30
